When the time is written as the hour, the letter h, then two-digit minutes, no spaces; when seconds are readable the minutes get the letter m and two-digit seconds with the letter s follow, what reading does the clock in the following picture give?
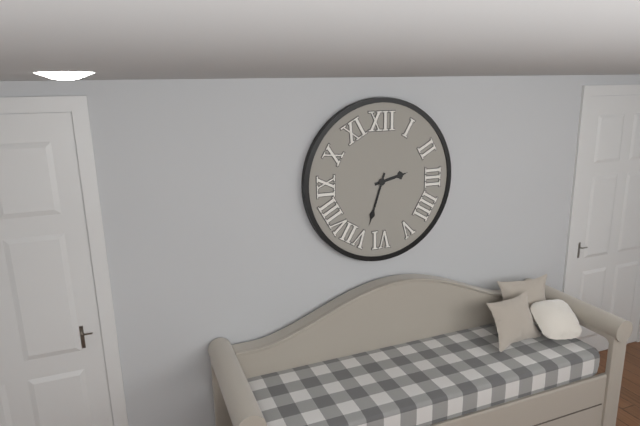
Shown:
2h33
